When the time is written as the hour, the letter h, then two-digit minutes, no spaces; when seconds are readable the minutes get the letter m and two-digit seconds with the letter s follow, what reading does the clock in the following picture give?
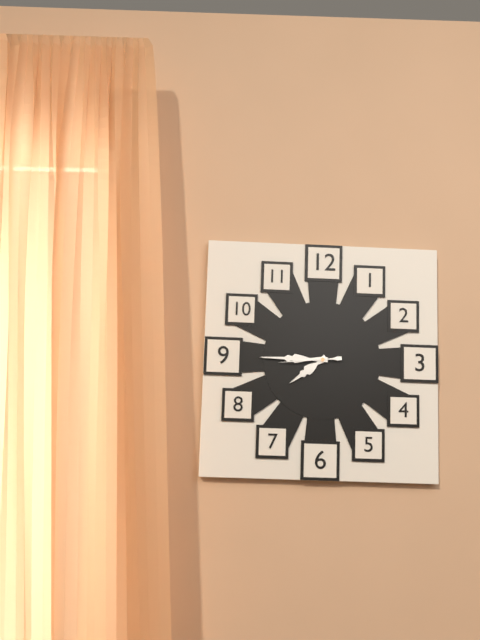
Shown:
7h45m44s
